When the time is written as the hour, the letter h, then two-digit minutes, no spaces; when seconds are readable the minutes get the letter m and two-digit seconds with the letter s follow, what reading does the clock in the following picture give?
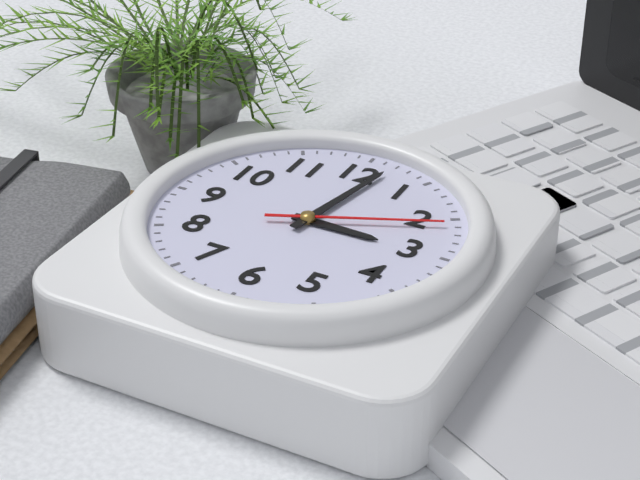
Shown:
3h02m11s
